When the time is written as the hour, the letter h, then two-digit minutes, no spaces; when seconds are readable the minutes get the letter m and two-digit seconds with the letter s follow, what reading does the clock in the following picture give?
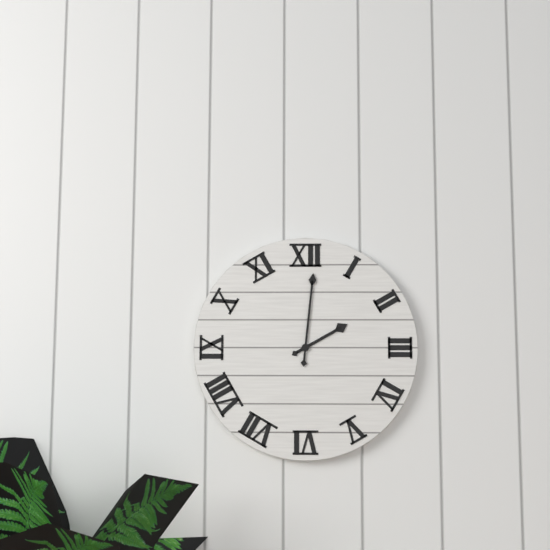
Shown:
2h01
